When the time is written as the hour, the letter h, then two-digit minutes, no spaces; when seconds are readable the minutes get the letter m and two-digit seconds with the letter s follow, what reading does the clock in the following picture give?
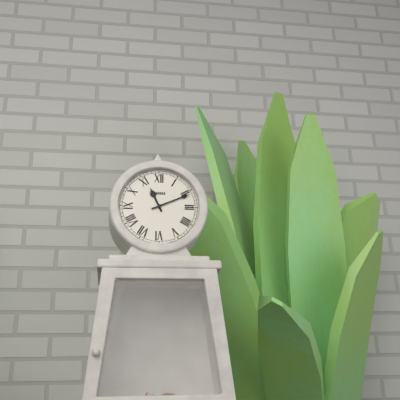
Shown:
11h11
